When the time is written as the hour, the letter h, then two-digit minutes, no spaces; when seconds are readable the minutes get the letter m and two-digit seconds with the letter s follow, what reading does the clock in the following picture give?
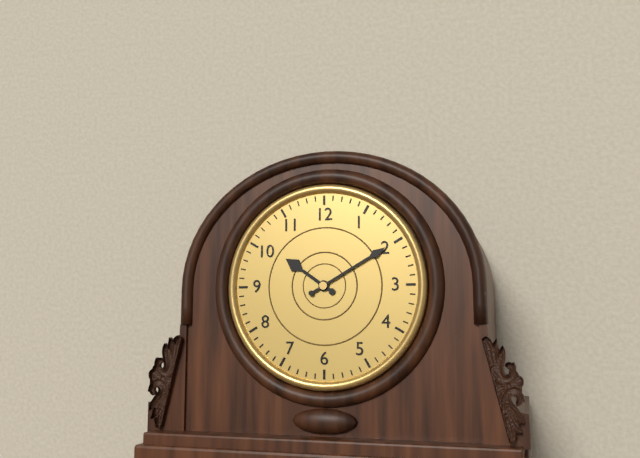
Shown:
10h10
